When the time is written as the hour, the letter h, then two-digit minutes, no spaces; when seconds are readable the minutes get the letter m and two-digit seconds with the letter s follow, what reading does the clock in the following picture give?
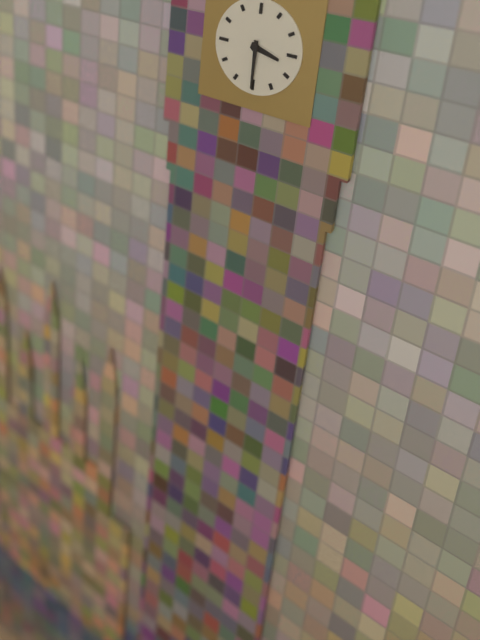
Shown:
3h30
